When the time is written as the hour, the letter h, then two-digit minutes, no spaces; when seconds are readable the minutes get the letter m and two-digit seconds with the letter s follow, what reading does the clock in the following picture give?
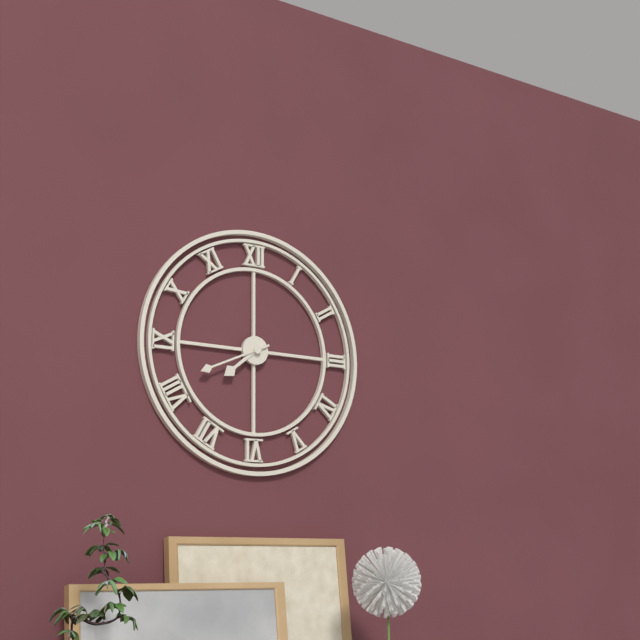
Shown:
7h41
